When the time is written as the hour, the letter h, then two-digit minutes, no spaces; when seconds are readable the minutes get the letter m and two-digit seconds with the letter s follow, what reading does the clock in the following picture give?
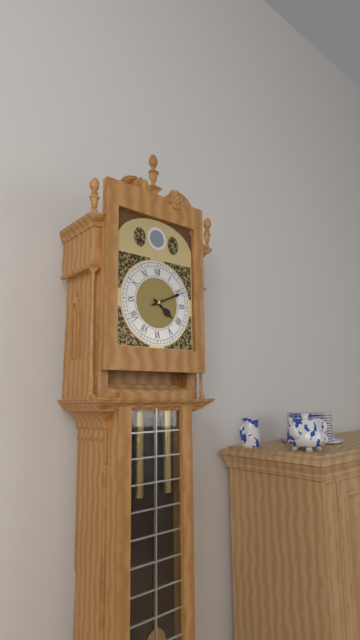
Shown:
4h11
